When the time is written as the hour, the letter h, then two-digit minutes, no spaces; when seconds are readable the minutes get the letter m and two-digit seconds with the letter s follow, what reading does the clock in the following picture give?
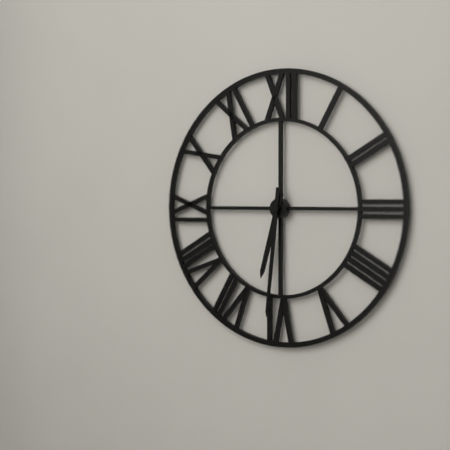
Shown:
6h31
